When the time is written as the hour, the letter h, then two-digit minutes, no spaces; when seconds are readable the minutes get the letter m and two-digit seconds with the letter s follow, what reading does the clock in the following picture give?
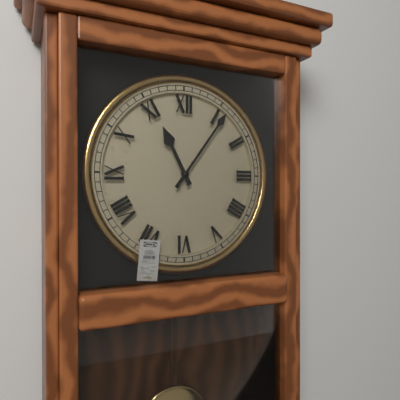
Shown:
11h06
